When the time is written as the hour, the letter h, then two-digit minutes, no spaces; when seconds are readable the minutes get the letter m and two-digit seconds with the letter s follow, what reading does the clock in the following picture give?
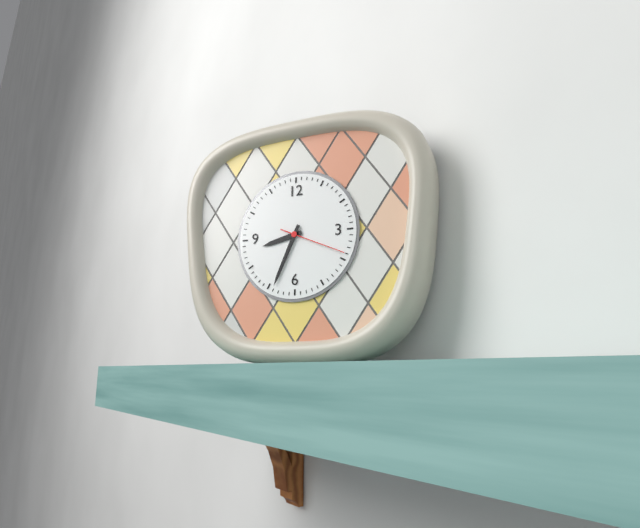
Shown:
8h34
